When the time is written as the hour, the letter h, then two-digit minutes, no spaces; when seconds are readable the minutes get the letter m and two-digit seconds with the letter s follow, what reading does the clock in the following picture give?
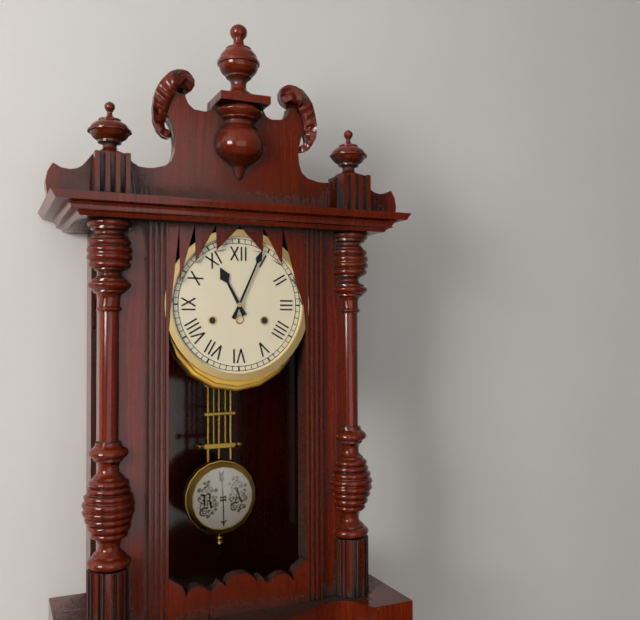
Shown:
11h04
